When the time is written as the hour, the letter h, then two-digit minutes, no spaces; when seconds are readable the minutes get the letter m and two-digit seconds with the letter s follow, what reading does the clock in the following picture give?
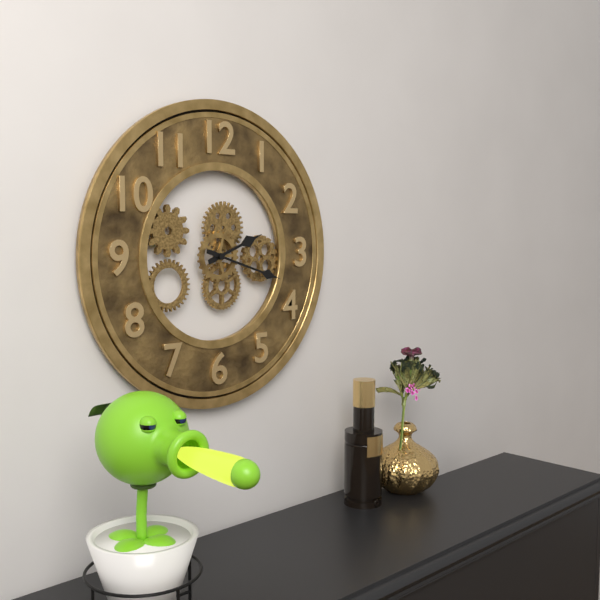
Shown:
2h18
